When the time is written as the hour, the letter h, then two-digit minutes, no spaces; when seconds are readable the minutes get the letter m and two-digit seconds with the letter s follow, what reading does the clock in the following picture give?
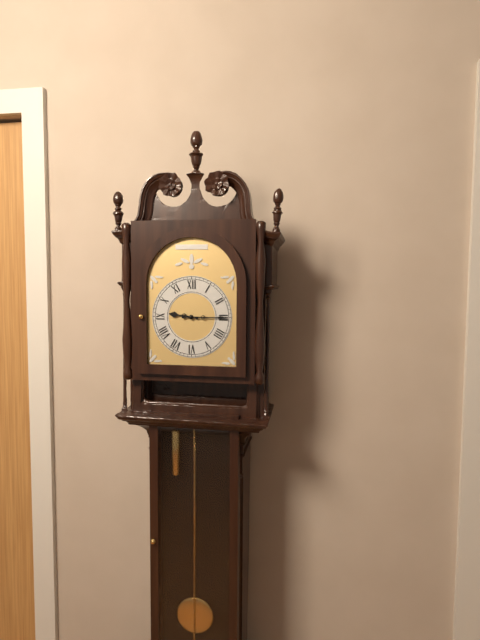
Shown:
9h15
